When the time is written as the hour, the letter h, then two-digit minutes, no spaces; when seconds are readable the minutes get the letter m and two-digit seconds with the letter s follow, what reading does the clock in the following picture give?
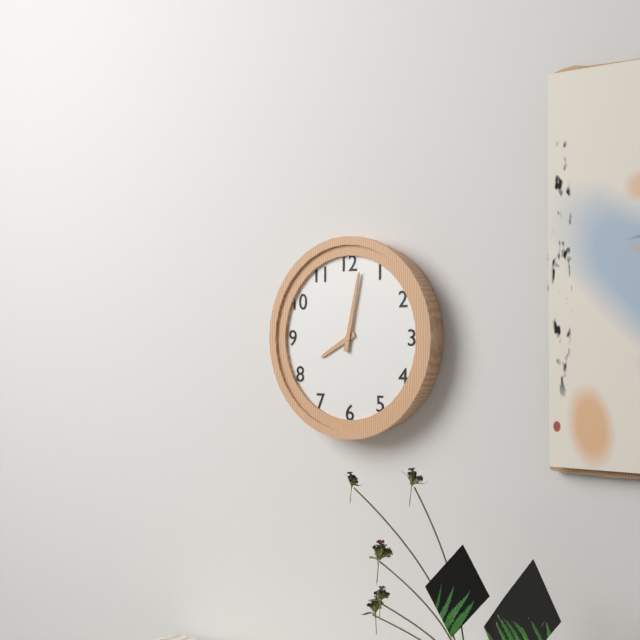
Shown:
8h02
